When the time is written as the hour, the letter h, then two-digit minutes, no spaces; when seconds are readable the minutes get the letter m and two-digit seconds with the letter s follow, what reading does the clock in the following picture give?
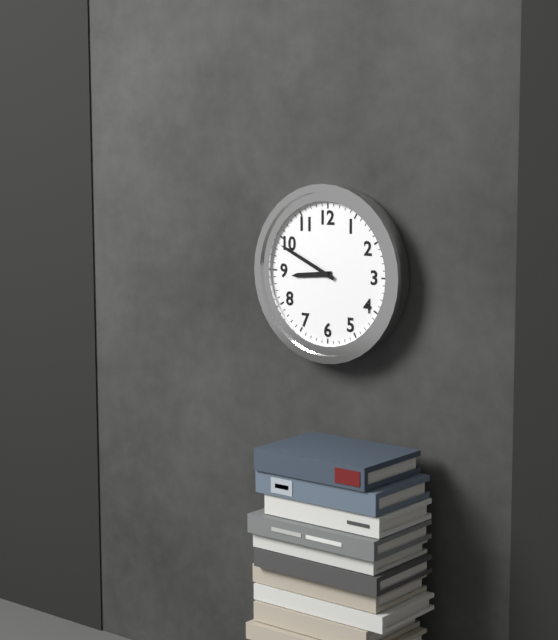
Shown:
8h49
